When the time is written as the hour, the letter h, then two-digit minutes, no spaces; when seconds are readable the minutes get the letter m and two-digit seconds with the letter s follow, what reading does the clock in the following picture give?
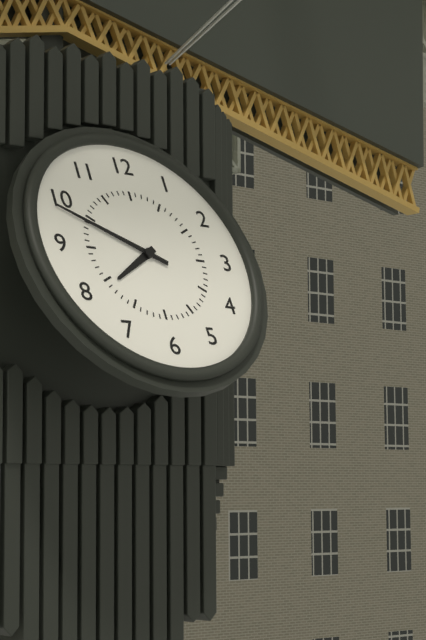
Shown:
7h49
